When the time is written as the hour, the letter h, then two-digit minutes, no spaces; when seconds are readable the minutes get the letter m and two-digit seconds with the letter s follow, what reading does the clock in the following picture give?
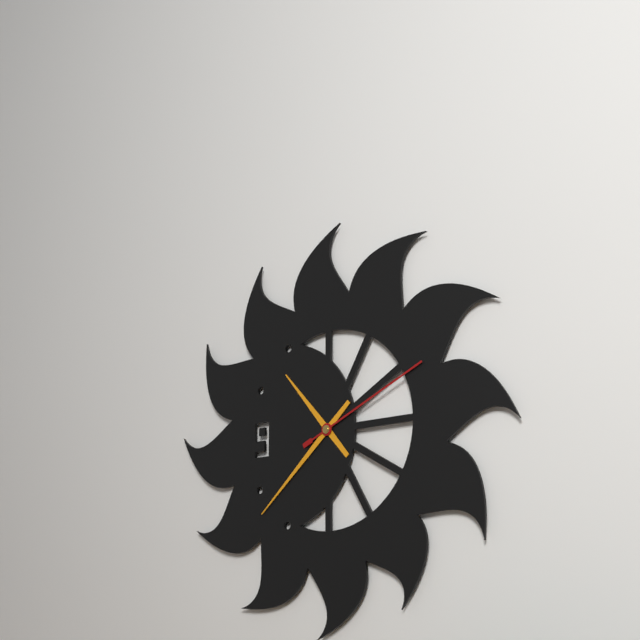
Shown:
10h38m11s
